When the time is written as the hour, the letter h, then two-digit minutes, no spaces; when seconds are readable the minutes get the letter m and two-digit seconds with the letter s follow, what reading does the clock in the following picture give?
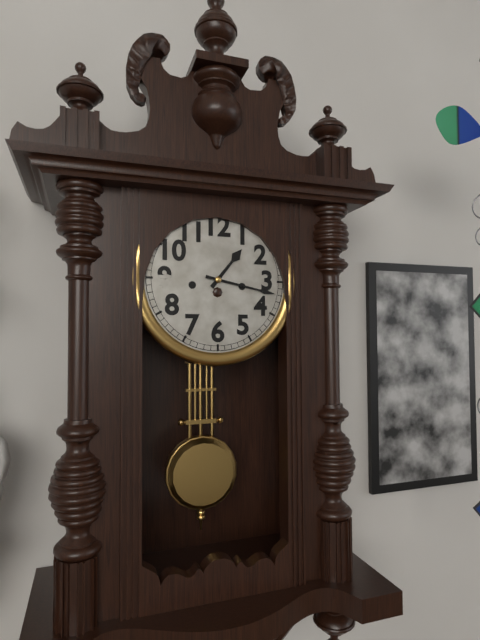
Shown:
1h17
